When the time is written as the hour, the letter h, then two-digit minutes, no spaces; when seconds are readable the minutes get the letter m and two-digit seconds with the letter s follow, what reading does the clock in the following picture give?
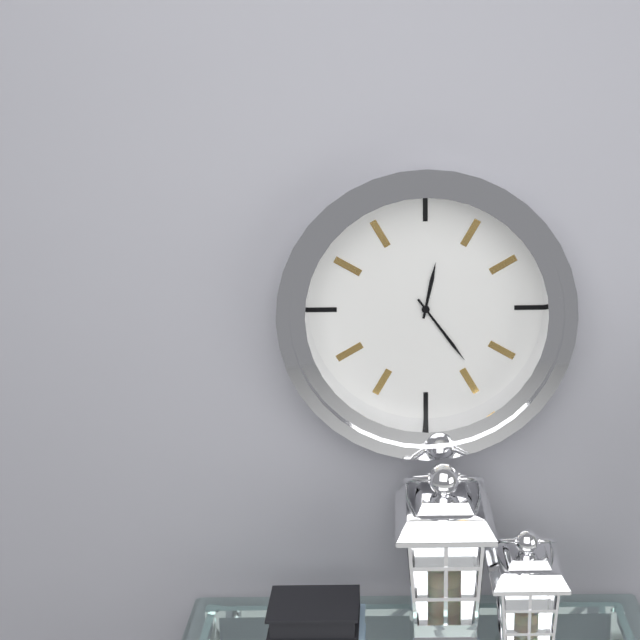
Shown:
12h24
